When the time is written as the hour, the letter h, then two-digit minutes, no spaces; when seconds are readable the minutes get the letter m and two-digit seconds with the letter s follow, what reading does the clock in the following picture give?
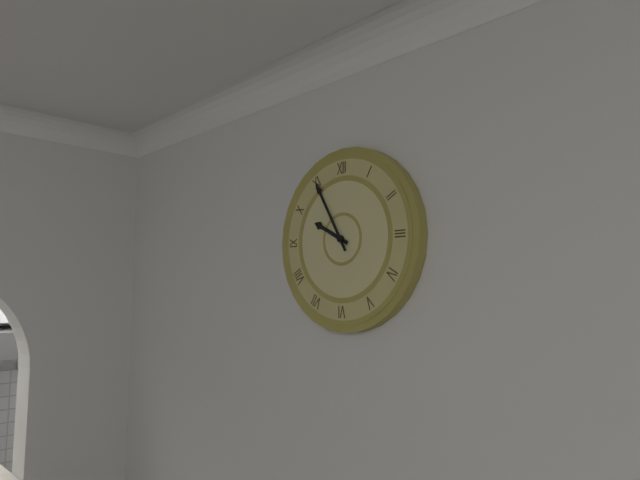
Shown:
9h55
